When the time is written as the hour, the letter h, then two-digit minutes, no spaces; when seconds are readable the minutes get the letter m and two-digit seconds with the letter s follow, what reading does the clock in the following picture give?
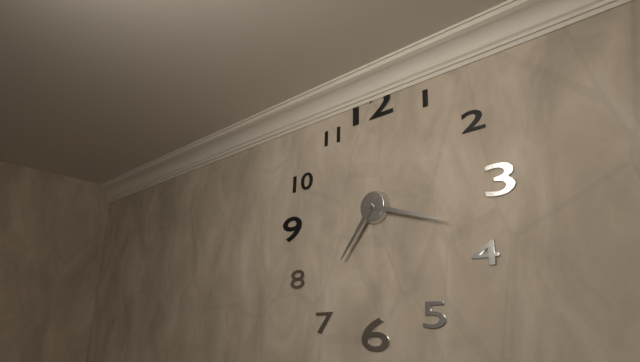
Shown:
7h18
